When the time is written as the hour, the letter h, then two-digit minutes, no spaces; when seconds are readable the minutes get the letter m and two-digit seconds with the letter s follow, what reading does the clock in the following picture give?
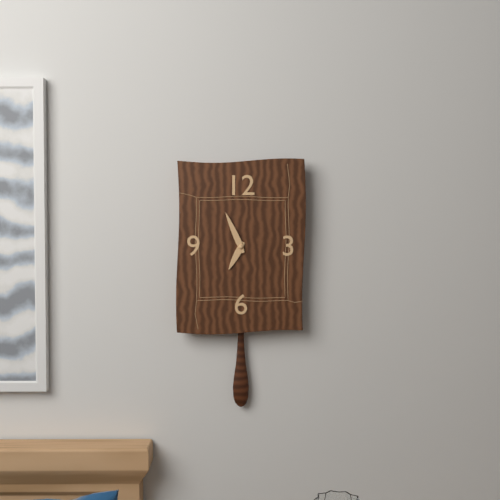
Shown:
6h56
